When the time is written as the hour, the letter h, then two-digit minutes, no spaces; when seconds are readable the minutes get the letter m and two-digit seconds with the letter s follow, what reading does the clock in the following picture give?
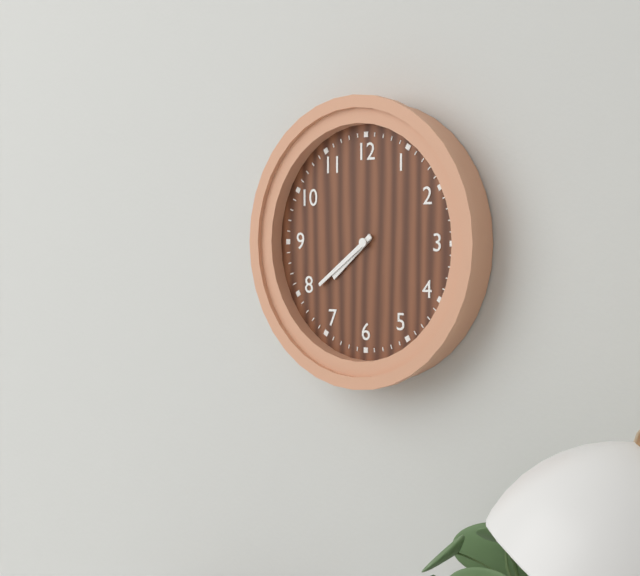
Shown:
7h39
